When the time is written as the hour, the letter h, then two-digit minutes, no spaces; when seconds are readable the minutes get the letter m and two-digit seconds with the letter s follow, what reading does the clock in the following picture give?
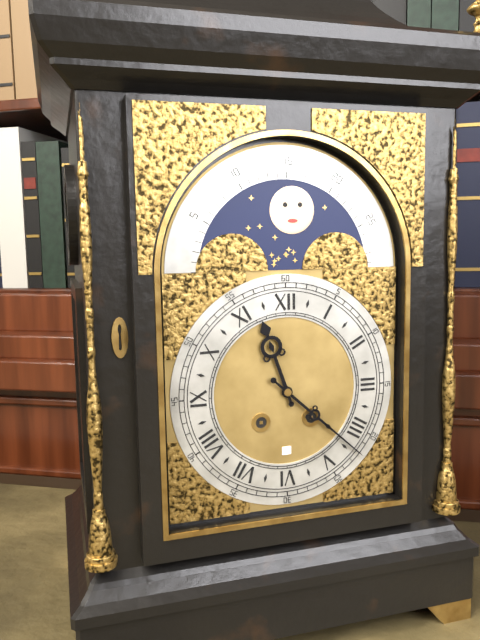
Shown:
11h22
